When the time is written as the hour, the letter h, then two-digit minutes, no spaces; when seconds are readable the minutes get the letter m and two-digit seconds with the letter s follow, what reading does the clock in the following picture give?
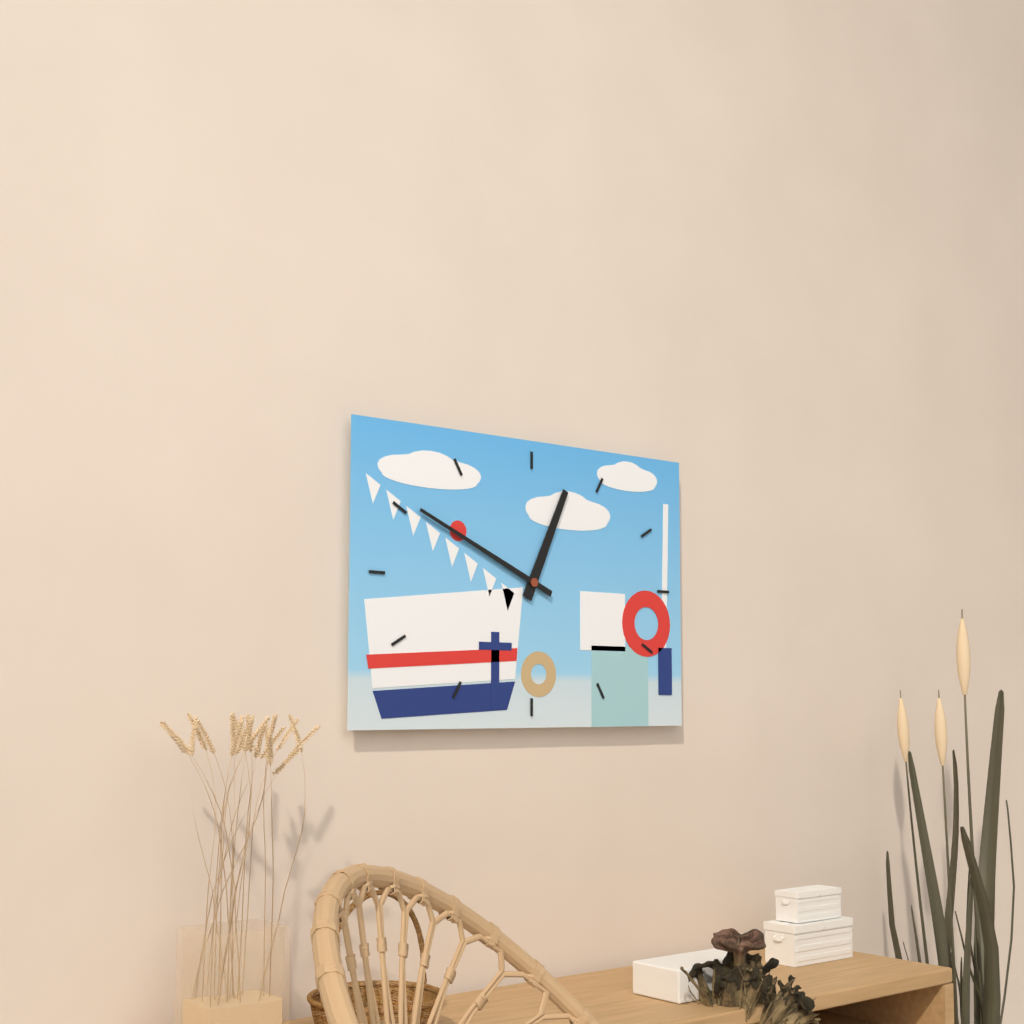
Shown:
12h49
